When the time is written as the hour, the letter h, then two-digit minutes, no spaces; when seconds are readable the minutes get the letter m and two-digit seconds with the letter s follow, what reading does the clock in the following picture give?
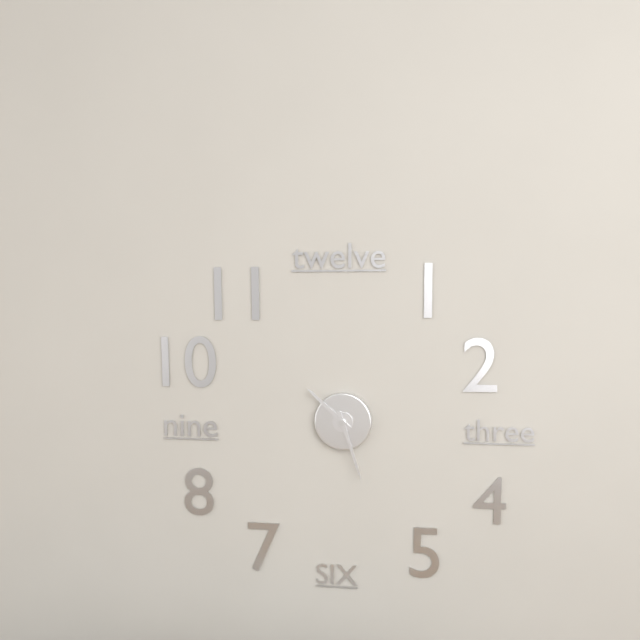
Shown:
10h27
